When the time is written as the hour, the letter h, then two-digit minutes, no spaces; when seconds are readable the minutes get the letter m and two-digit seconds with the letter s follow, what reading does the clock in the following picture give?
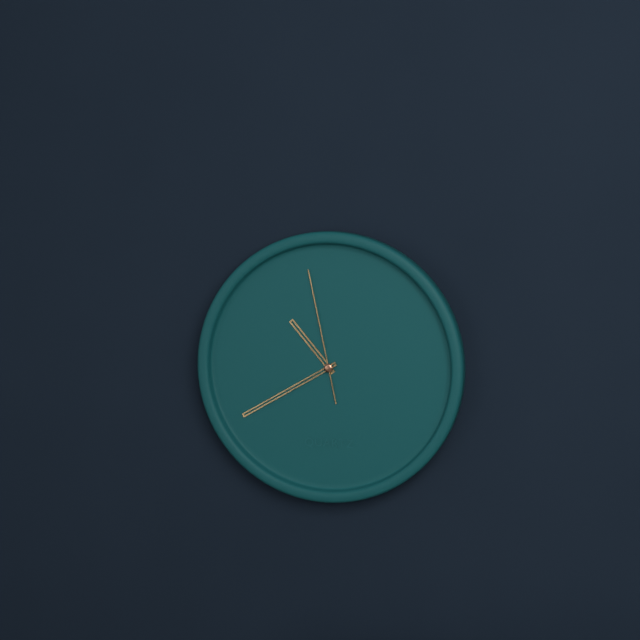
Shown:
10h40m58s
